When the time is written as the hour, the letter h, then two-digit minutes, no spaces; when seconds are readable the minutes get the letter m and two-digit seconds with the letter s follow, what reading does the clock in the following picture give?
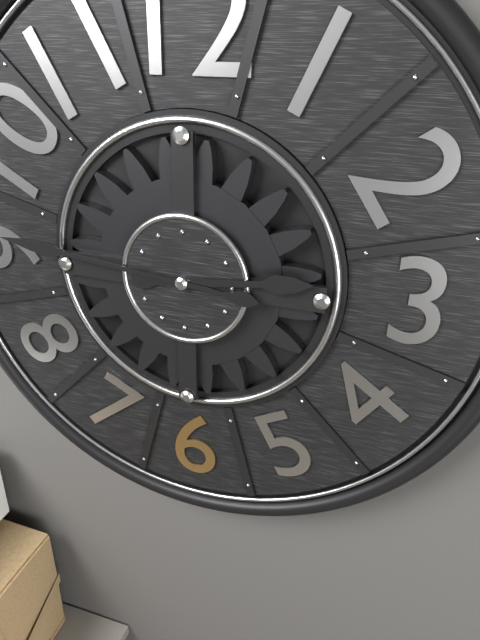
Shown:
2h46
